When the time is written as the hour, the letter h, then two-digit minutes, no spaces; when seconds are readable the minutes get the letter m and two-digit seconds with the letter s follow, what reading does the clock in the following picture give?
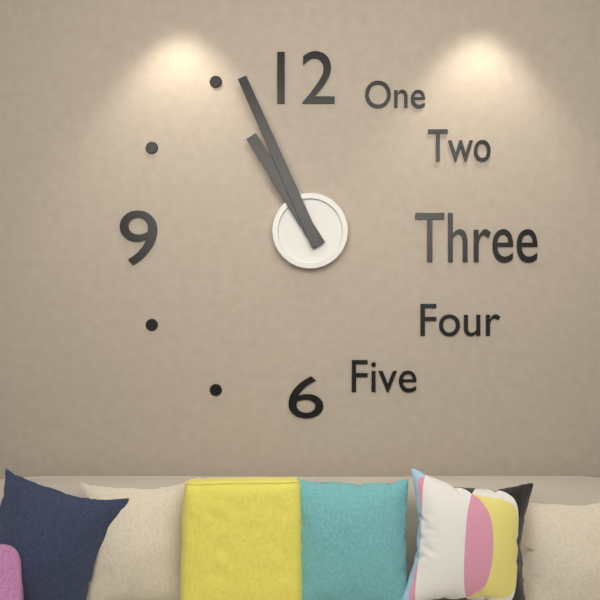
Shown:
10h56
